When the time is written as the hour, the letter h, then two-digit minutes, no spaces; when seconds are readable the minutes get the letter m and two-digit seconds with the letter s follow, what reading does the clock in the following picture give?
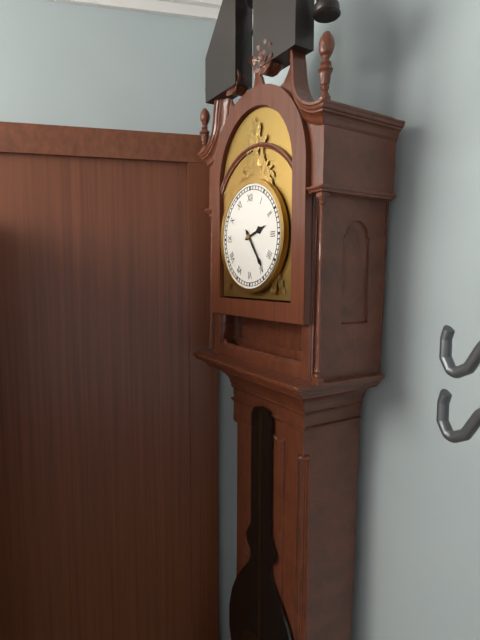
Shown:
2h24
